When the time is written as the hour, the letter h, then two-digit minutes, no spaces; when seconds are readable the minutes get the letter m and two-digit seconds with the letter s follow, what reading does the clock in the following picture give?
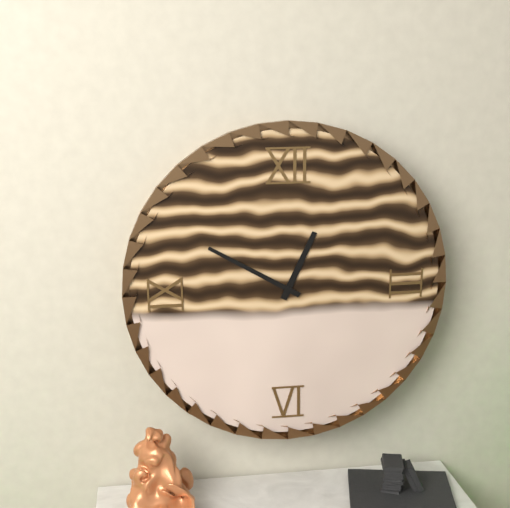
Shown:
12h50
